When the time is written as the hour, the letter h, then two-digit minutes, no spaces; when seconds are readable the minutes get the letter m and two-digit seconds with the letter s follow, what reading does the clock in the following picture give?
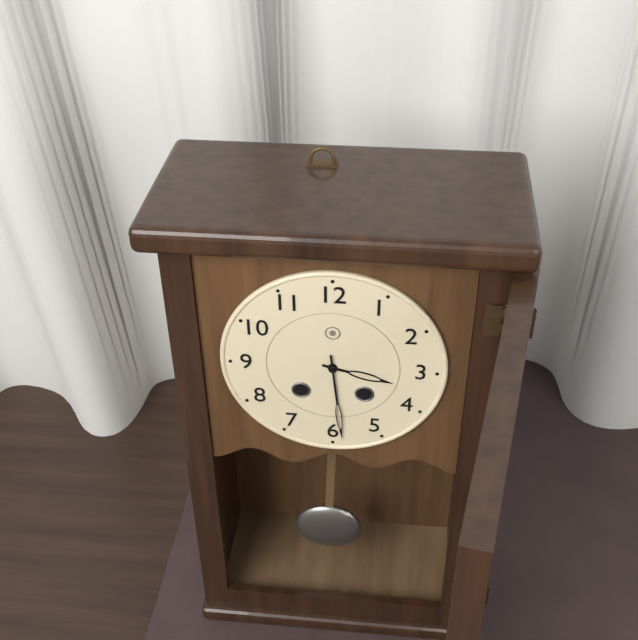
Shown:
3h29
